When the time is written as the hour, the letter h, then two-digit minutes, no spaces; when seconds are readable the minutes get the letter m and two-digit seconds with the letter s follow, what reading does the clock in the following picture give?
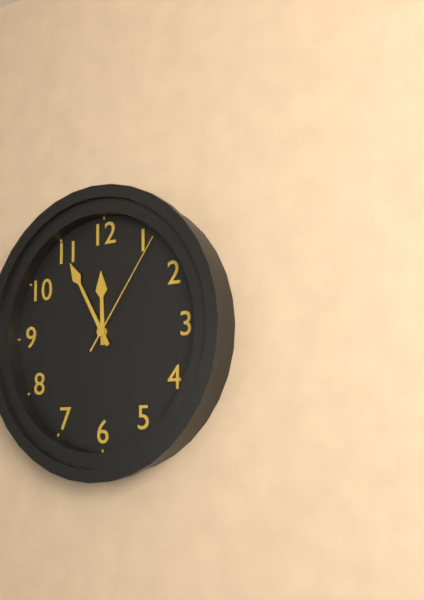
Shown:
11h55m06s
